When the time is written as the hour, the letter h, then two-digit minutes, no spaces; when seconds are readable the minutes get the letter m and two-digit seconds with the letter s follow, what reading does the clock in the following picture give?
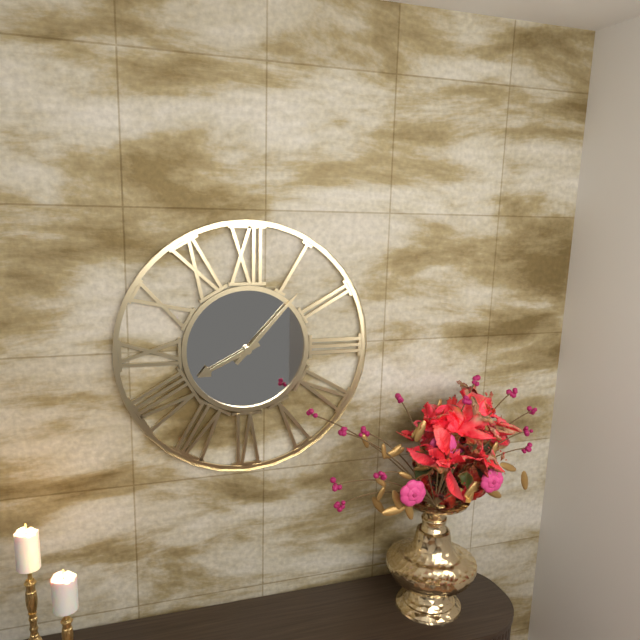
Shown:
8h07
